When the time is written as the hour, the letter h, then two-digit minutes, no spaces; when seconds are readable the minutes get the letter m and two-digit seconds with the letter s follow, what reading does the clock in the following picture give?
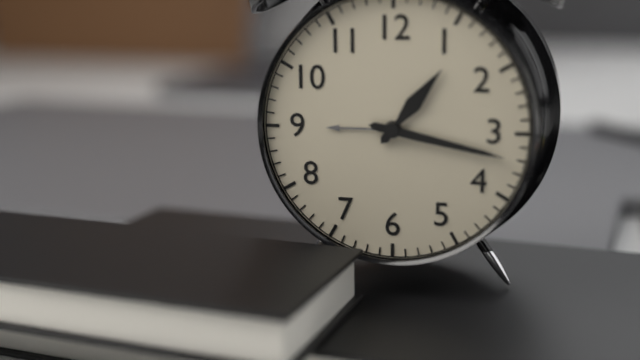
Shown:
1h17
